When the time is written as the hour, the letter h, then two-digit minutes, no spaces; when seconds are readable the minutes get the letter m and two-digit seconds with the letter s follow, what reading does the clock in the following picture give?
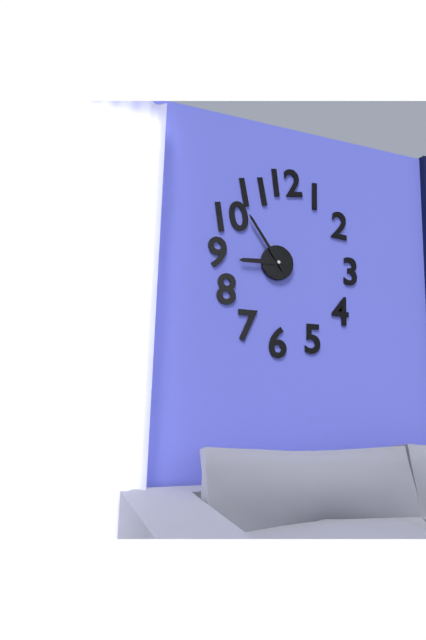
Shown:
8h54
